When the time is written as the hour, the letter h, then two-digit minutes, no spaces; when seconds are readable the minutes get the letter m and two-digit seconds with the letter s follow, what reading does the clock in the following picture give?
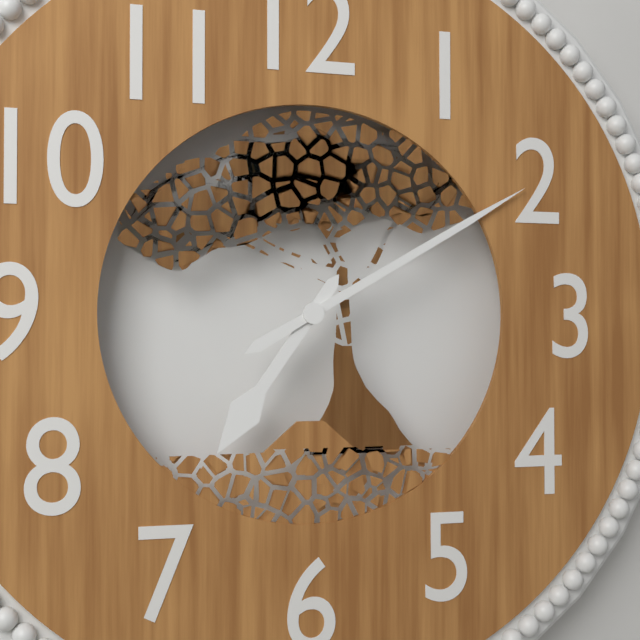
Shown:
7h10
